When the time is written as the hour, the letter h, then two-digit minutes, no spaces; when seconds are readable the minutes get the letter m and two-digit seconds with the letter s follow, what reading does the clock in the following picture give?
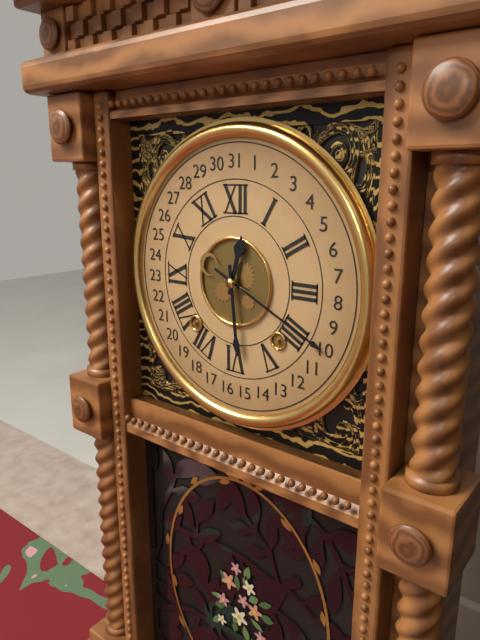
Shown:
12h29
